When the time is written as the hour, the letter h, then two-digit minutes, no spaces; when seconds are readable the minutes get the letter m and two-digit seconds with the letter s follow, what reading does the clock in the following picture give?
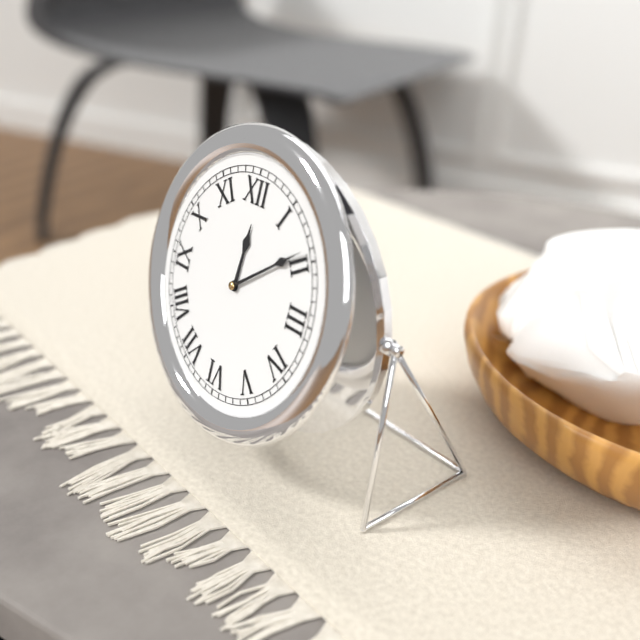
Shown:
12h09
